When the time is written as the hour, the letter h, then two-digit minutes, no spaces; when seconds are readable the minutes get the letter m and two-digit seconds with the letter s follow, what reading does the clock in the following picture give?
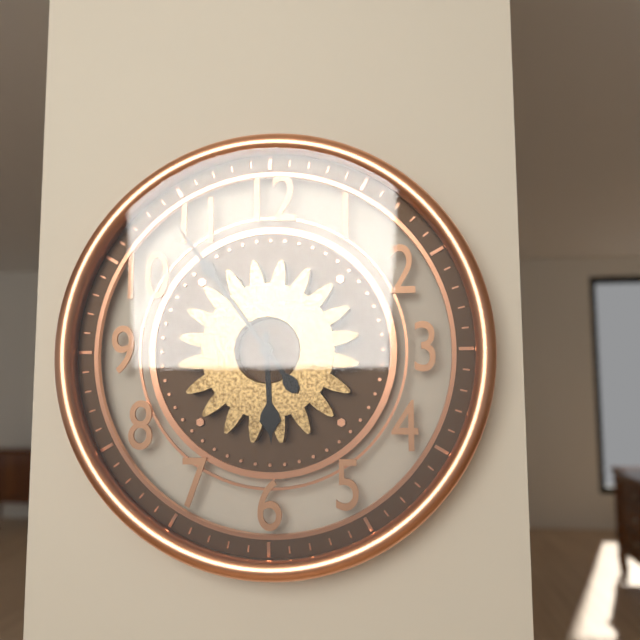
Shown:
5h54
